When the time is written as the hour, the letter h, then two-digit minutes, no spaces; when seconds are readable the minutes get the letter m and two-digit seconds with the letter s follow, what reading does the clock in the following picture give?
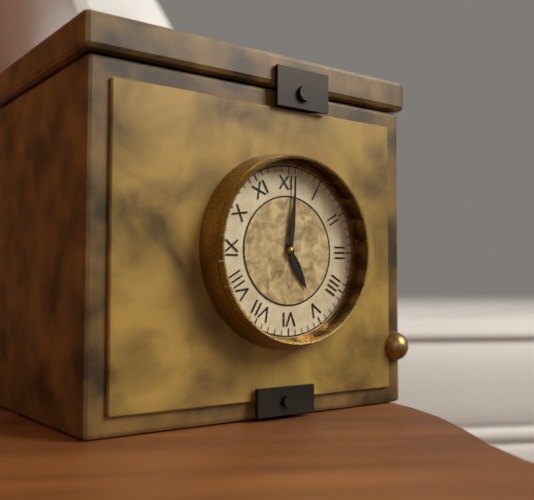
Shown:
5h01
